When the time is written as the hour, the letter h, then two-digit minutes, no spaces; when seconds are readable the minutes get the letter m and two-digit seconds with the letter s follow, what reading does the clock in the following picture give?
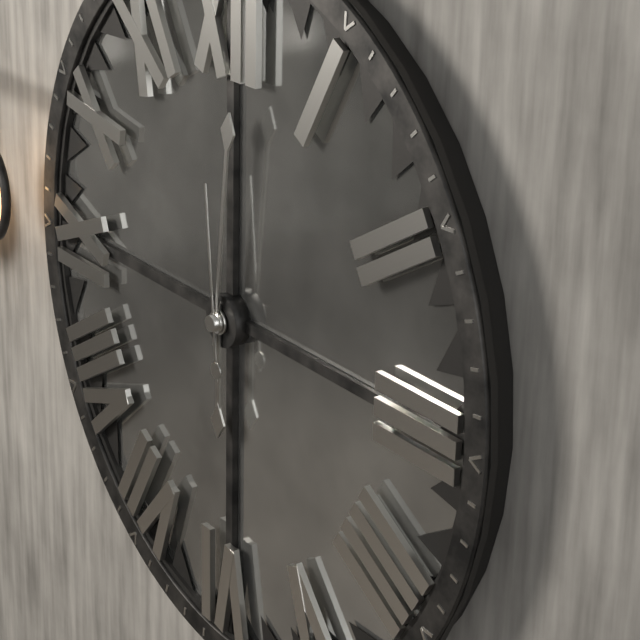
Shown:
6h01m59s
